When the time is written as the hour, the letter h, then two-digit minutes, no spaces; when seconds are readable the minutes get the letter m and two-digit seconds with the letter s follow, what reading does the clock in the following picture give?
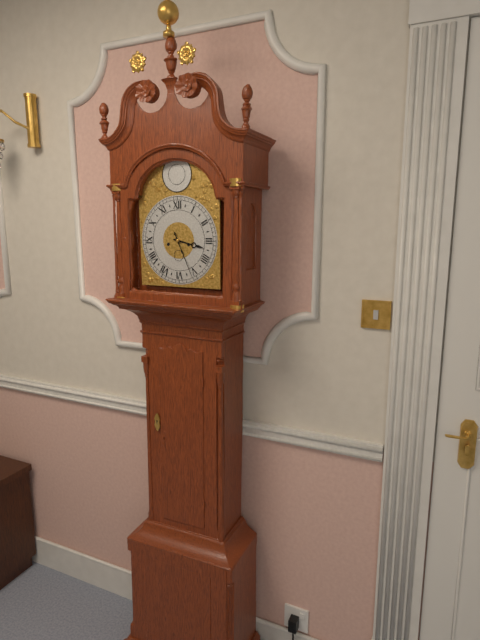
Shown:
3h26
